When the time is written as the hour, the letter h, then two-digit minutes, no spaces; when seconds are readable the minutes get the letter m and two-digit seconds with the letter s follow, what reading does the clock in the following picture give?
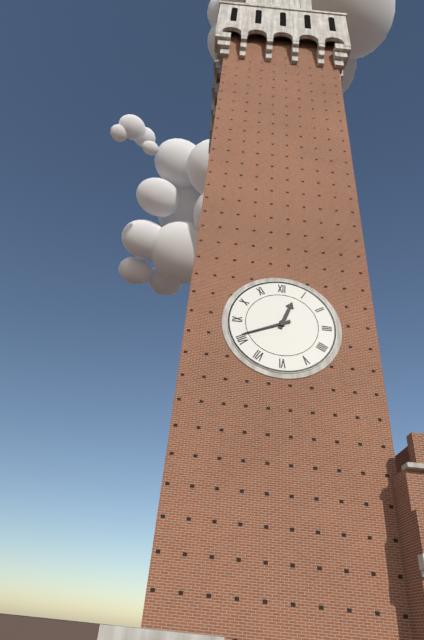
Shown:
12h41
